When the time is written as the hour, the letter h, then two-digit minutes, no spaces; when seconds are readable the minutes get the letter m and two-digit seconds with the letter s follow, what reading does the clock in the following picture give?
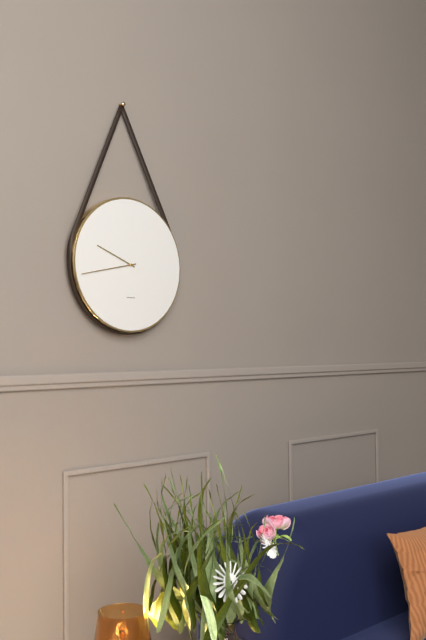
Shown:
9h43
